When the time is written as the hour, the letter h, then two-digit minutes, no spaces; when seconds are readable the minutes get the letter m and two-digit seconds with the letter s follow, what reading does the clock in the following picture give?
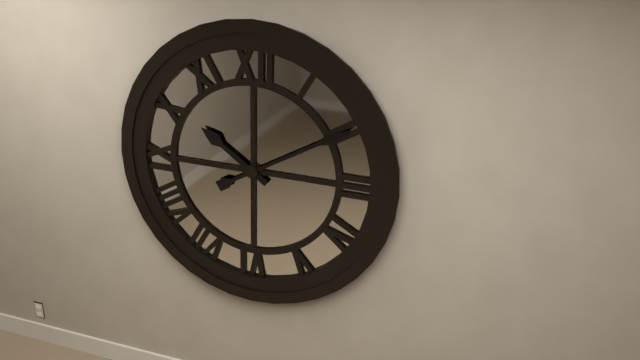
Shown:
10h10
